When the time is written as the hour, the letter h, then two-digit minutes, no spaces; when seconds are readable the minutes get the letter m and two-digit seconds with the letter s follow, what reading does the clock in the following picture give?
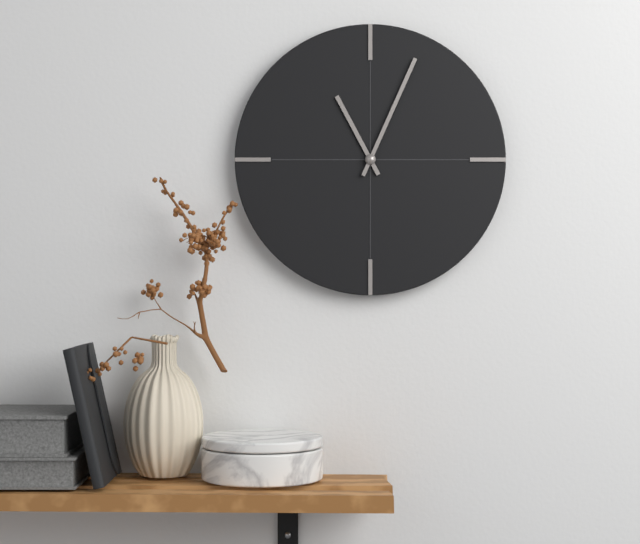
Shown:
11h04
